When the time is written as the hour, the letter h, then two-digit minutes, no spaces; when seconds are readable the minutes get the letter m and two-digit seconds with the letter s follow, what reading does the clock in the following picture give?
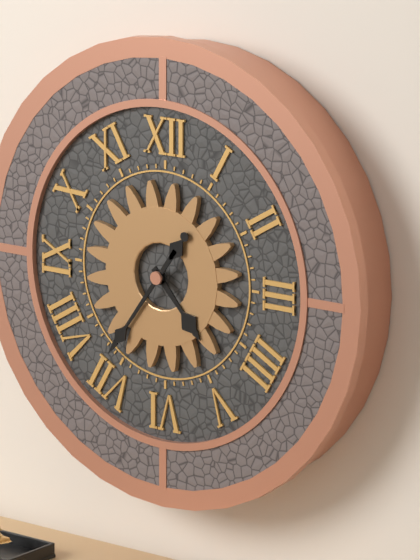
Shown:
4h36
